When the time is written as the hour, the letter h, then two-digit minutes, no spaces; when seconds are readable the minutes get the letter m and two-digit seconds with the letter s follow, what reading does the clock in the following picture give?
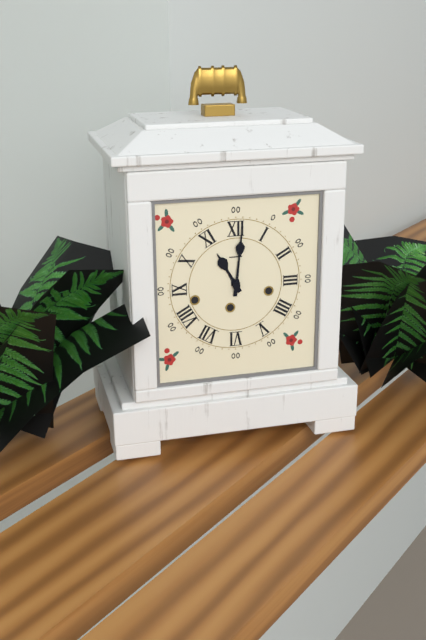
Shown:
11h01
